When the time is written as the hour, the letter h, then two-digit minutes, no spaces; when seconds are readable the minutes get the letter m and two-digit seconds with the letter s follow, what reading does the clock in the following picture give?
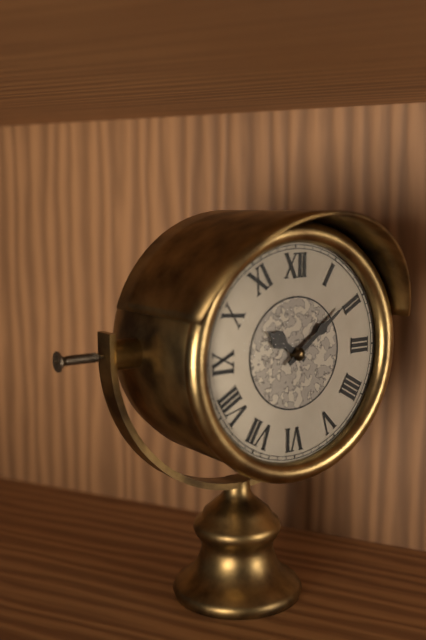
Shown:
10h09
